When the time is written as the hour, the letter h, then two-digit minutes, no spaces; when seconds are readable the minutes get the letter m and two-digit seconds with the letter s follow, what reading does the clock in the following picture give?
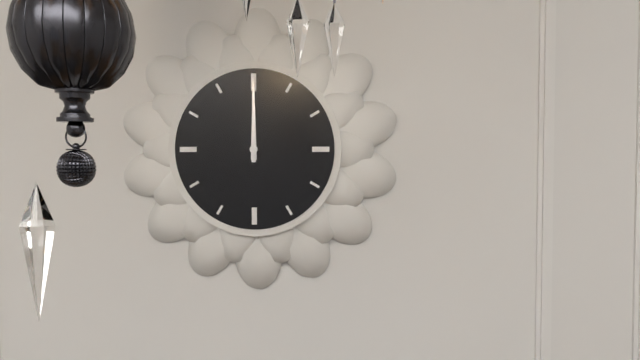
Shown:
12h00
